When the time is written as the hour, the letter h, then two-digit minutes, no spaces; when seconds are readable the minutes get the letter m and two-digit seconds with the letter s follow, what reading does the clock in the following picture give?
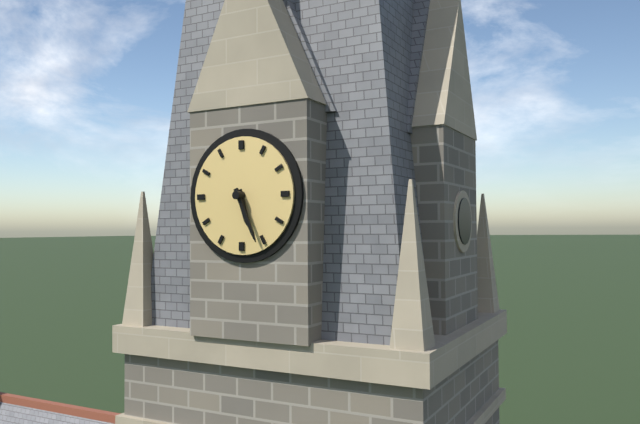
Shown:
5h26
